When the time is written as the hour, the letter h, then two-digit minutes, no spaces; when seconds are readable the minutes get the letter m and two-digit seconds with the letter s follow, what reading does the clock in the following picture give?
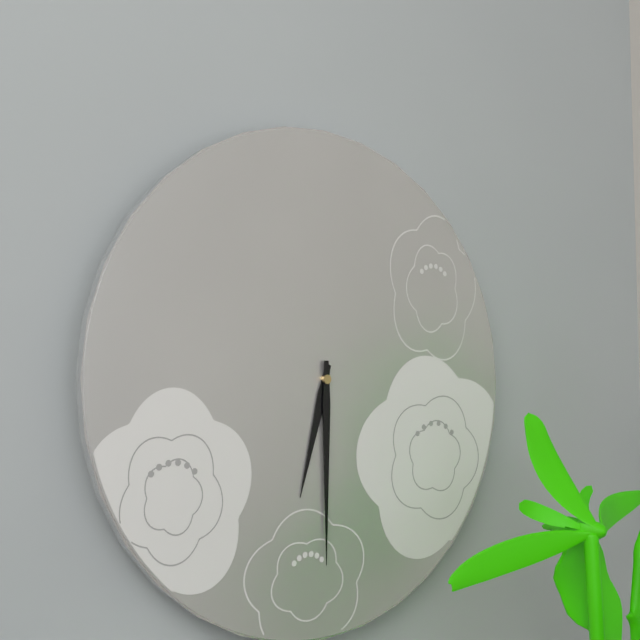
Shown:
6h30
